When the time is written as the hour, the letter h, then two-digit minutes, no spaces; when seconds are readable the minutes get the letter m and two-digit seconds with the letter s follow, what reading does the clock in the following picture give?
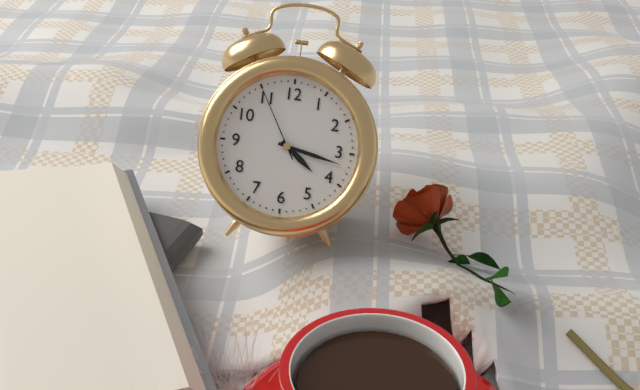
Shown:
4h17m55s
